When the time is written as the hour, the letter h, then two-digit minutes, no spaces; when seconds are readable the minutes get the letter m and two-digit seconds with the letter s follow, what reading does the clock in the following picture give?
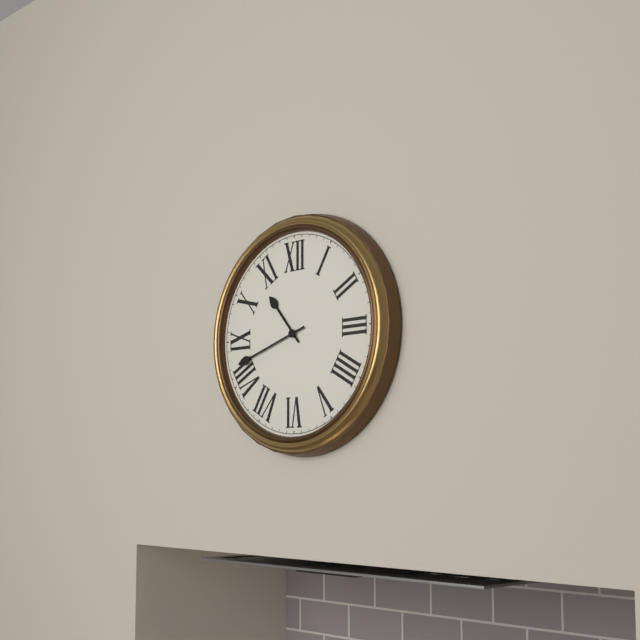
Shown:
10h42
